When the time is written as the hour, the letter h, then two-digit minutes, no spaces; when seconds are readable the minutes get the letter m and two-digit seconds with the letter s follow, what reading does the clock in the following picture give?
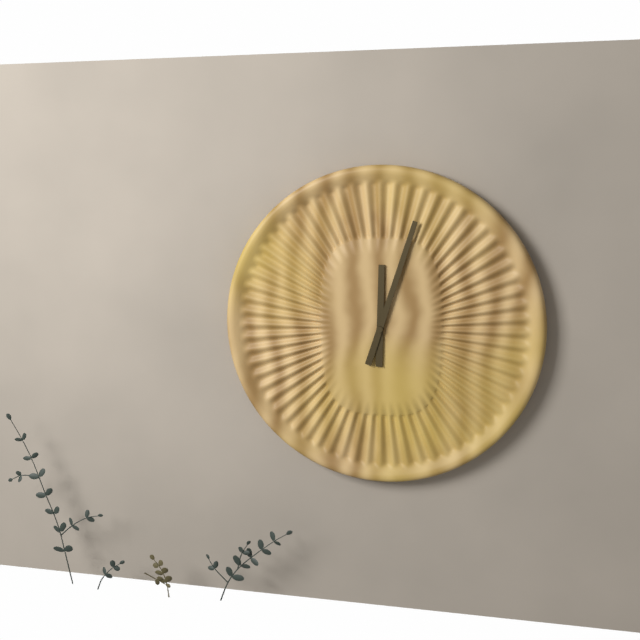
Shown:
12h03
